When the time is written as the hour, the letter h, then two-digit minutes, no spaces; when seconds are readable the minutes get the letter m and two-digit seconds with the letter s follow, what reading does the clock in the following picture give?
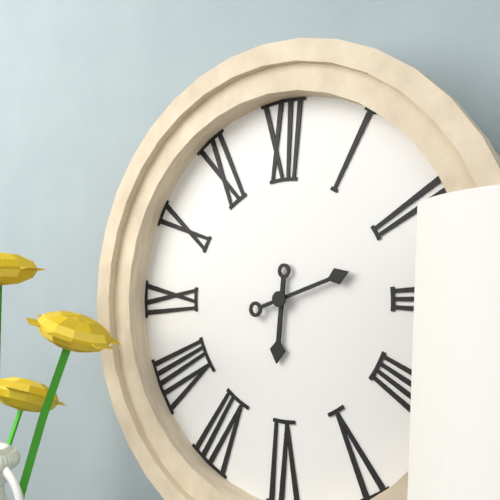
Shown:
6h12
